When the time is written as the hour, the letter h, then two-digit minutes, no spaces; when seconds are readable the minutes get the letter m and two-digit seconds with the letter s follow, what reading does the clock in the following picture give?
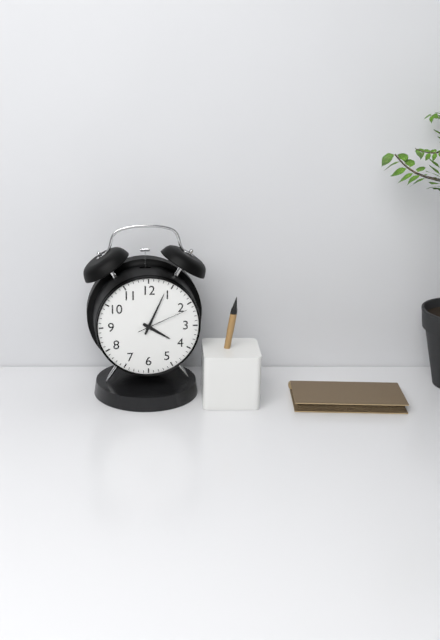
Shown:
4h04m11s
